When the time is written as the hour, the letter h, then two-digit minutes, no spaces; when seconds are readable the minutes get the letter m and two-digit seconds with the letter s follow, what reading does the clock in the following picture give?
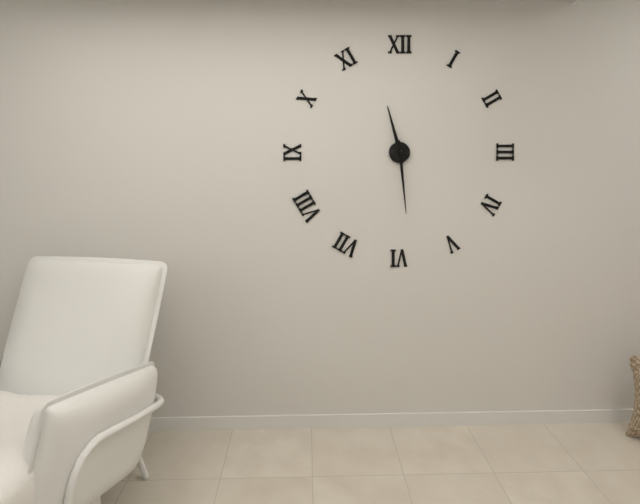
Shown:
11h29
